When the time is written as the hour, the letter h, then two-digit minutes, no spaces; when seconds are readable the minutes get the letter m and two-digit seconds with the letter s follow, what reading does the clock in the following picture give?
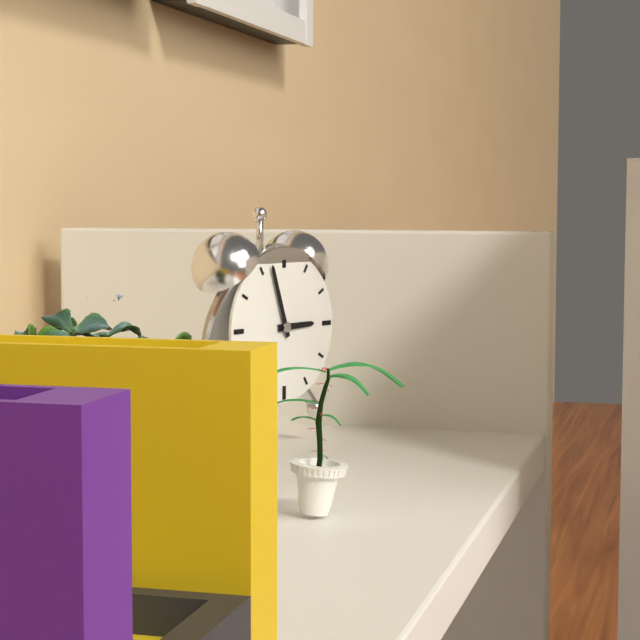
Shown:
2h57
